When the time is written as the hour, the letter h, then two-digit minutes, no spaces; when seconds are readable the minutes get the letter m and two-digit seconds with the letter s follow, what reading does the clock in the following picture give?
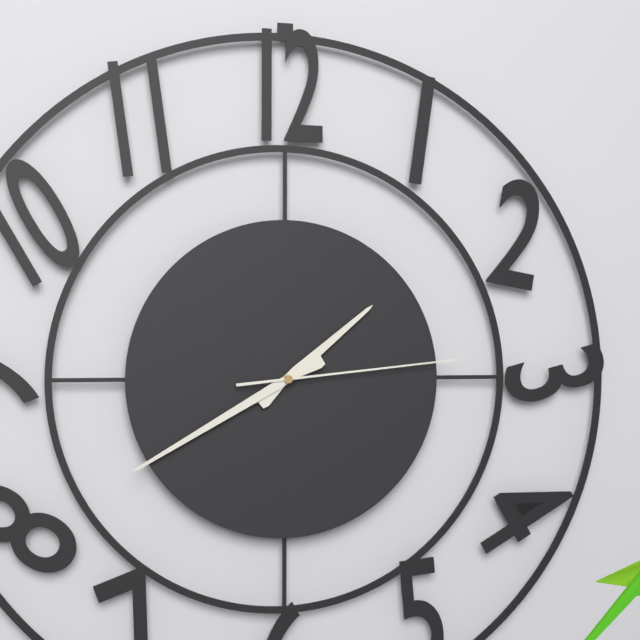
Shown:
1h40m14s
